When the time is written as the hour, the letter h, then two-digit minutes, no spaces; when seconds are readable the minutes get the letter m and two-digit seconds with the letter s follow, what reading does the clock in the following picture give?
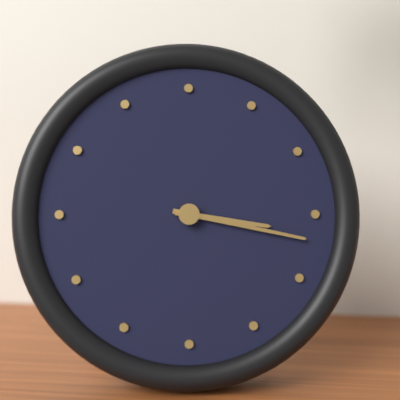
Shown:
3h17
